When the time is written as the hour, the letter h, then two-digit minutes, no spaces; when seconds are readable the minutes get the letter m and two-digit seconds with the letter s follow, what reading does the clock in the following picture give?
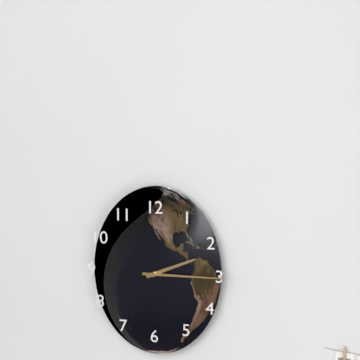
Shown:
2h15
